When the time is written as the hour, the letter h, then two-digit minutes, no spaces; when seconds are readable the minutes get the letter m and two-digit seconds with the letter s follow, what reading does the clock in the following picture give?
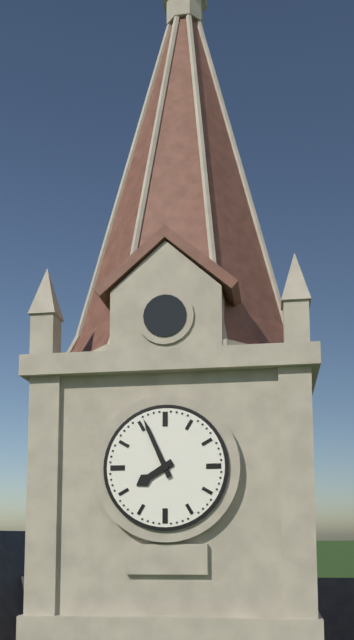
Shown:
7h56
